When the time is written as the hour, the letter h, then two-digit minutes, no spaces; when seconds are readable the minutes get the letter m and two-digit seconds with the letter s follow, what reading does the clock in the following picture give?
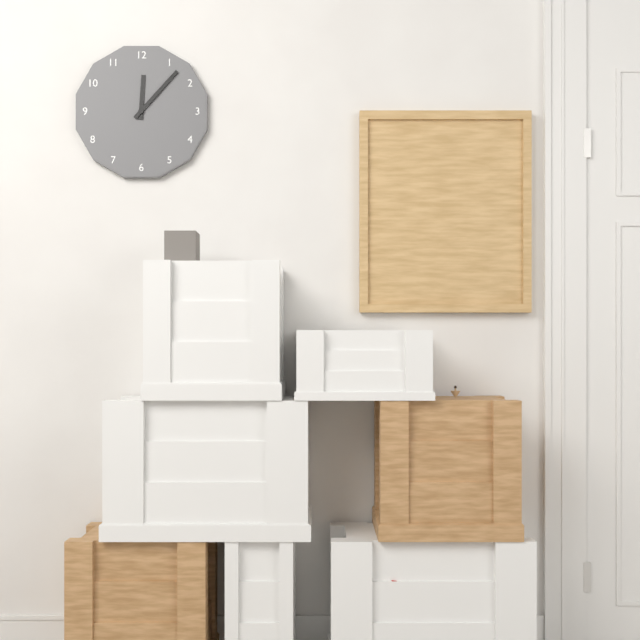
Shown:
12h07
